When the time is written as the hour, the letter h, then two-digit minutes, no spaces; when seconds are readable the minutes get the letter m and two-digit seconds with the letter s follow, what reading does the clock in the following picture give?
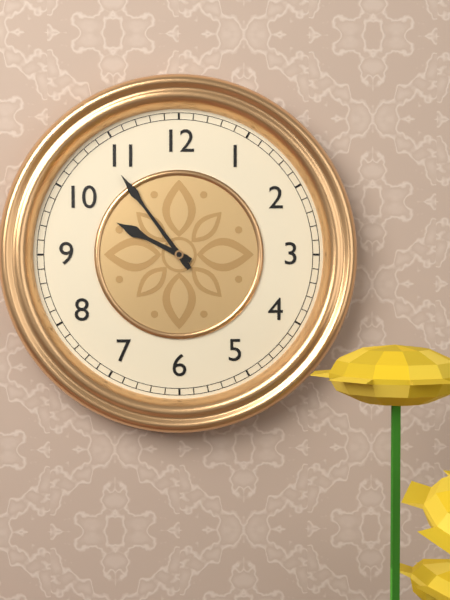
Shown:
9h54
